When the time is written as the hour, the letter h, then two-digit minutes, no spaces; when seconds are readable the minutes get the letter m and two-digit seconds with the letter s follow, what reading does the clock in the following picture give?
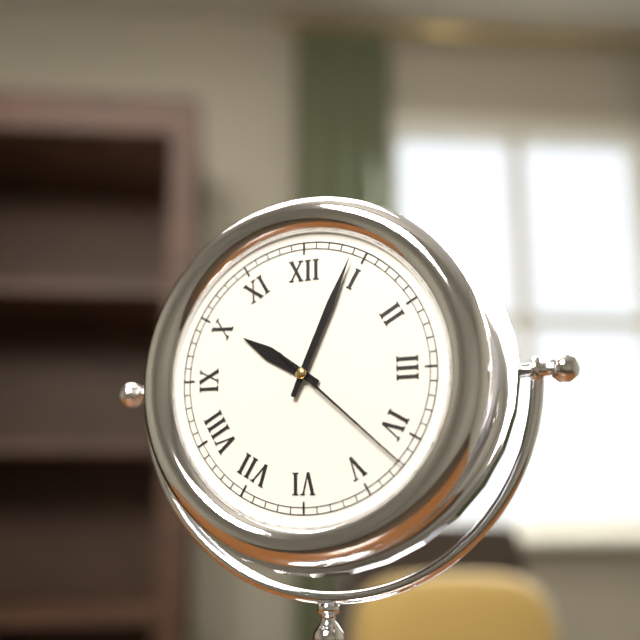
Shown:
10h04m22s
